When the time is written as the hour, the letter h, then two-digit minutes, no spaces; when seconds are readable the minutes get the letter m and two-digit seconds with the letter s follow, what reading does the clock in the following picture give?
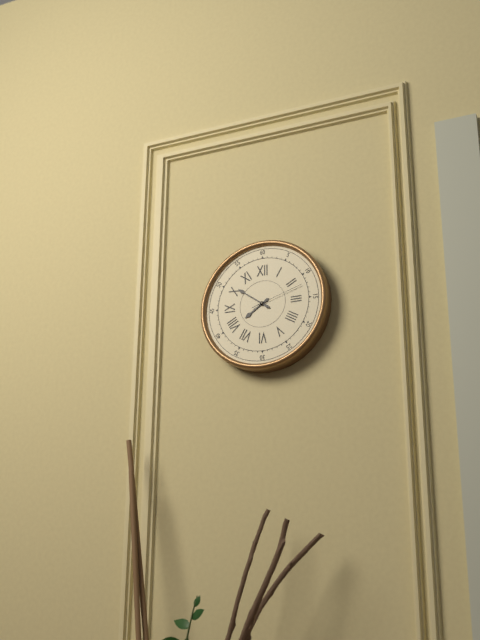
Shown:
7h51m12s
